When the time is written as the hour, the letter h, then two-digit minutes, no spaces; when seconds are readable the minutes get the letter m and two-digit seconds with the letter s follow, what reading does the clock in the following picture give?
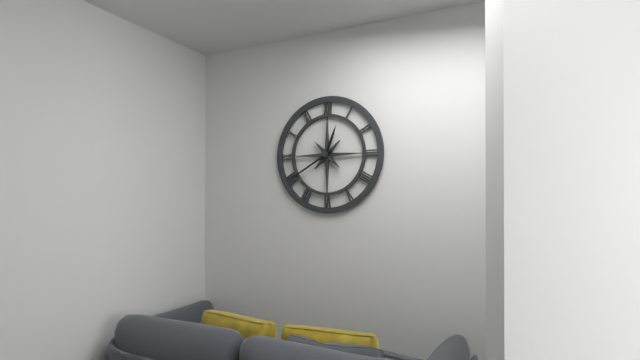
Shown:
12h40
